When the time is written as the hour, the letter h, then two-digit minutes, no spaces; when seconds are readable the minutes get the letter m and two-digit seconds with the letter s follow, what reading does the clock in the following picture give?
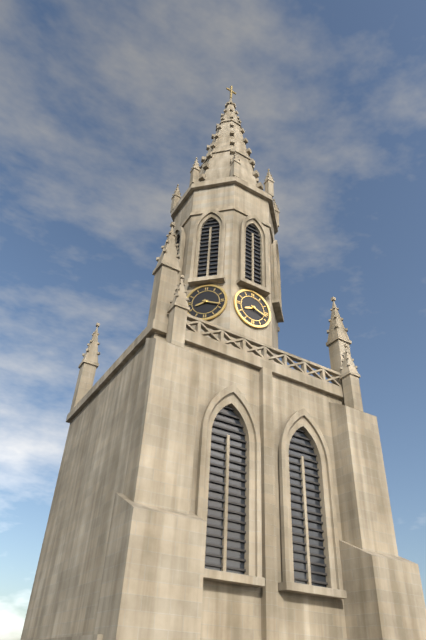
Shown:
8h18
